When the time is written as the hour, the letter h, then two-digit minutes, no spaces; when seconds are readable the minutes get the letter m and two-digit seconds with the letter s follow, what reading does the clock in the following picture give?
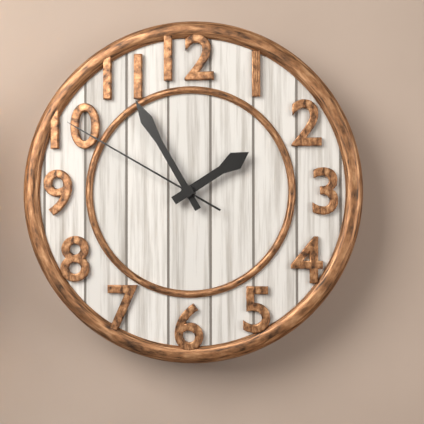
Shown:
1h55m50s
